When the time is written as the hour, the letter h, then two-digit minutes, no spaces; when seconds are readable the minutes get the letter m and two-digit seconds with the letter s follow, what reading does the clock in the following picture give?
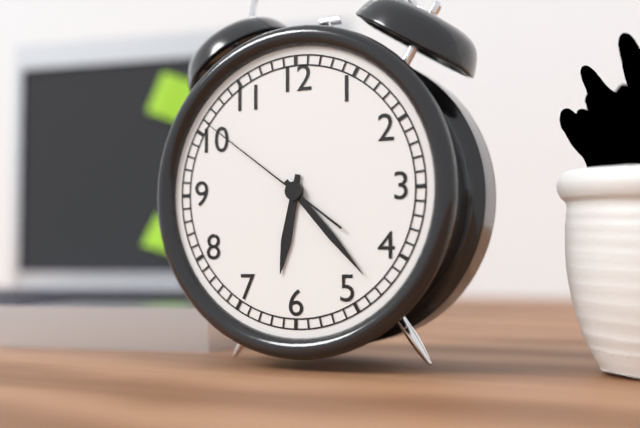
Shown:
6h23m51s
